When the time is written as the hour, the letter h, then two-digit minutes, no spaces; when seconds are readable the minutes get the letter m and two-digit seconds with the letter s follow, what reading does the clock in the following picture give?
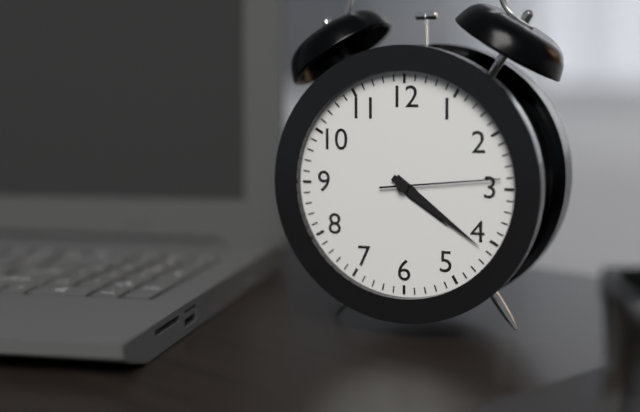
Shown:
4h21m14s
